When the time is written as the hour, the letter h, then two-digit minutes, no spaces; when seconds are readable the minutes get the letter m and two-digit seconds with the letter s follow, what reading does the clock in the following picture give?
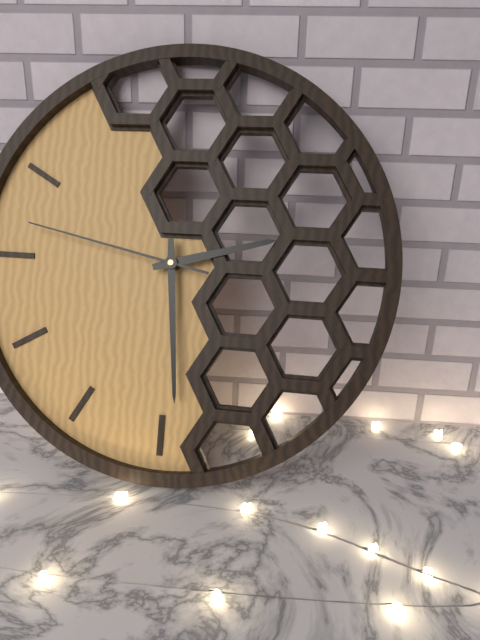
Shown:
2h29m47s
